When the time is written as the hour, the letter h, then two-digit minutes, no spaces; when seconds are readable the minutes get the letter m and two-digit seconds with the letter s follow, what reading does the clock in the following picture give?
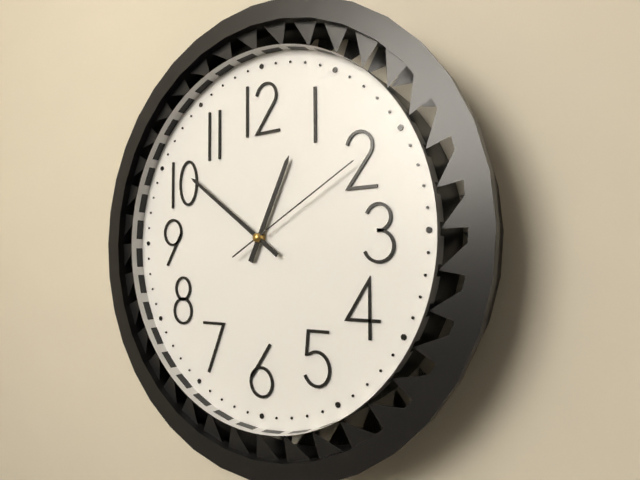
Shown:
12h51m10s
